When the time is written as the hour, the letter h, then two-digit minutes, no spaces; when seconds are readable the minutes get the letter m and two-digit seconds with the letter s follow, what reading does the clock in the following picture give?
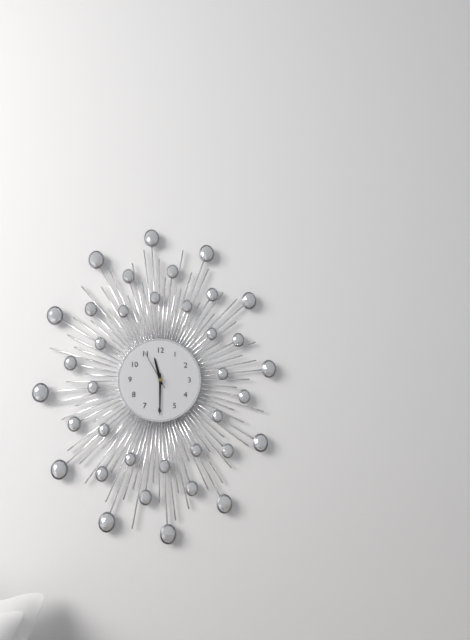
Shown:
11h30
